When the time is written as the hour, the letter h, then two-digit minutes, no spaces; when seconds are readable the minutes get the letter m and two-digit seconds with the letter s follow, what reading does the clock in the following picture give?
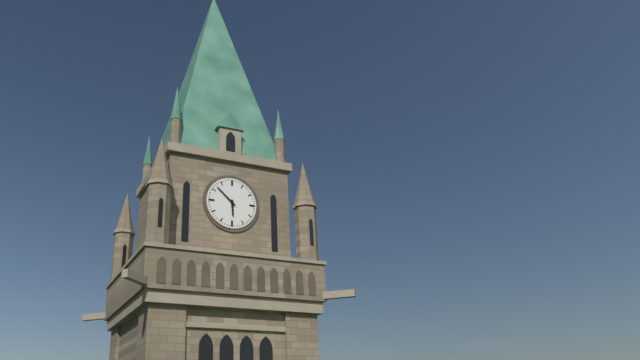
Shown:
5h52
